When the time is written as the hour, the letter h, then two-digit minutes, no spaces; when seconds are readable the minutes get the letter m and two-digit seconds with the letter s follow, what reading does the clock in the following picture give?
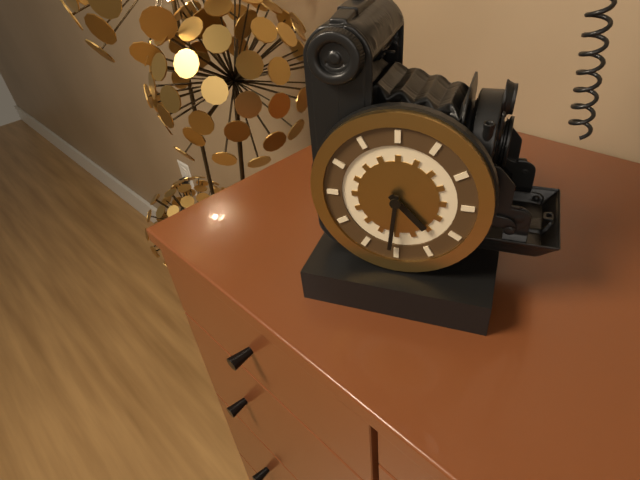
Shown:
4h31
